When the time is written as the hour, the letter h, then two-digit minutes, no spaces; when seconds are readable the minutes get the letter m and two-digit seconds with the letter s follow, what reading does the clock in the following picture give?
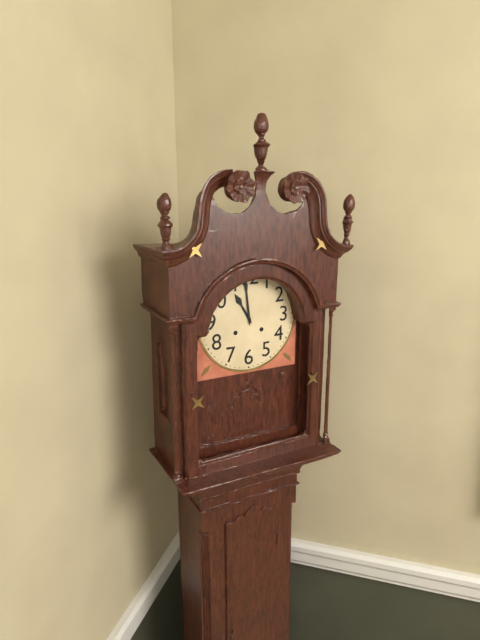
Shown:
10h59
